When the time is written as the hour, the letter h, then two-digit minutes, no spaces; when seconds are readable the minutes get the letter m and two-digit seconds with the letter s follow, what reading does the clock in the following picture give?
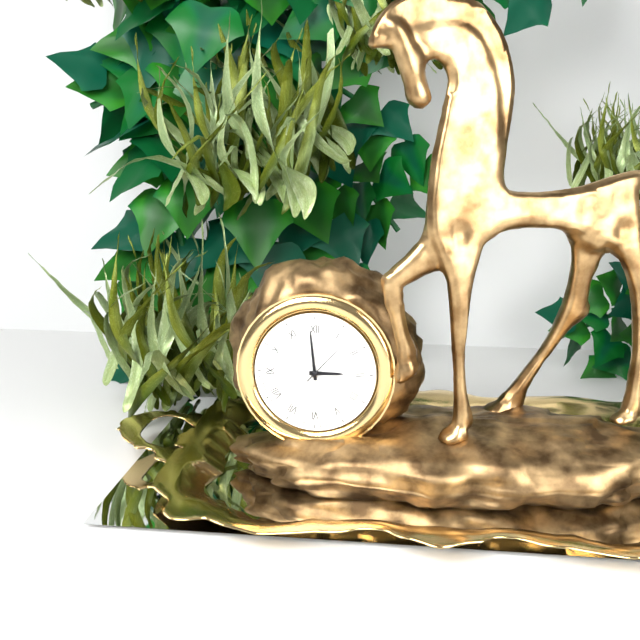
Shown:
2h59m07s
